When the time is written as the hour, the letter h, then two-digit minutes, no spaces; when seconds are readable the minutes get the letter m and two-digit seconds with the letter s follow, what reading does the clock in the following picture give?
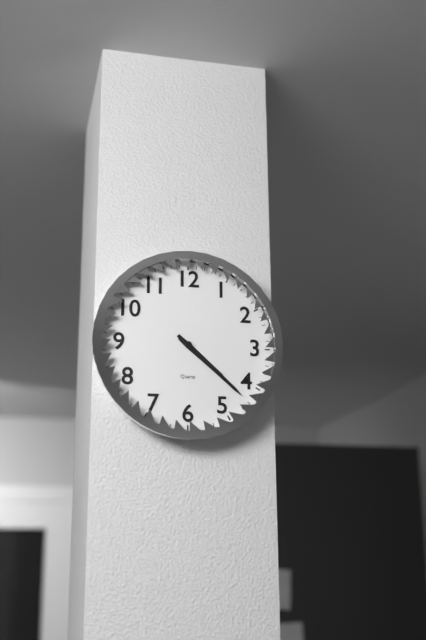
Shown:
4h22
